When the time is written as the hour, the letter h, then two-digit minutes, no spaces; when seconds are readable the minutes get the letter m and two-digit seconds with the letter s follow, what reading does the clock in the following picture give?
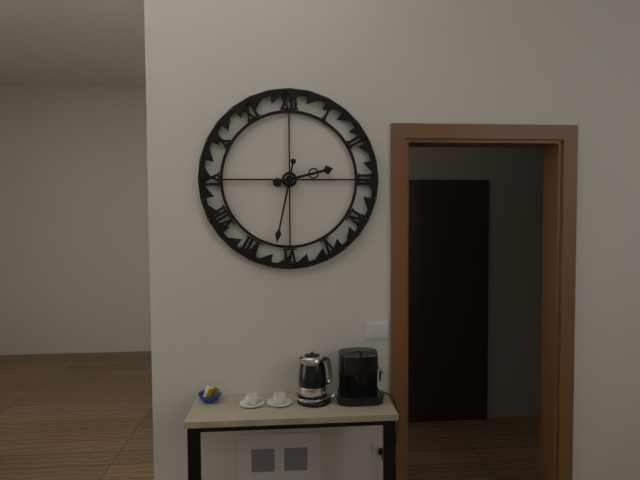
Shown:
2h32
